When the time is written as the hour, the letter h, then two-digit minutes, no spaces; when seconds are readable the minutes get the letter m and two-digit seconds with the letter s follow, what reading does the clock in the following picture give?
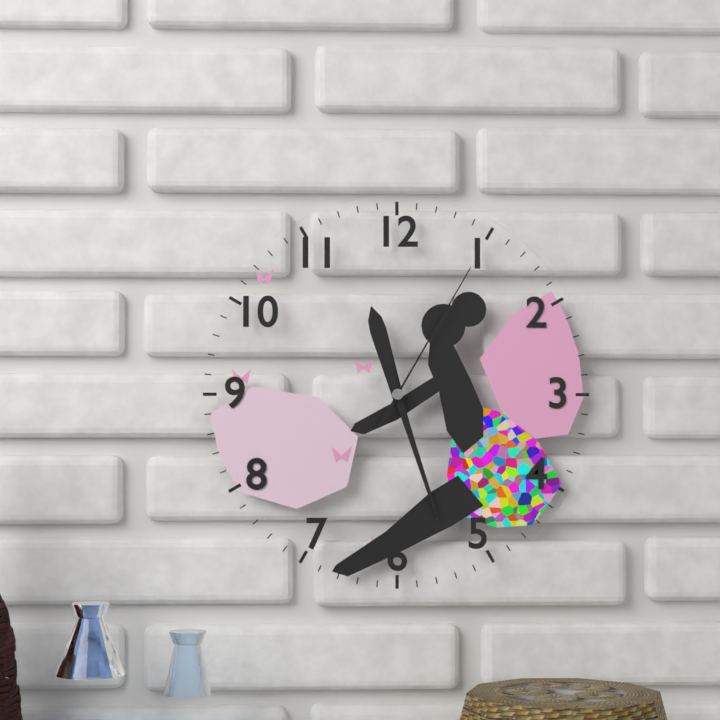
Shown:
11h27m05s
